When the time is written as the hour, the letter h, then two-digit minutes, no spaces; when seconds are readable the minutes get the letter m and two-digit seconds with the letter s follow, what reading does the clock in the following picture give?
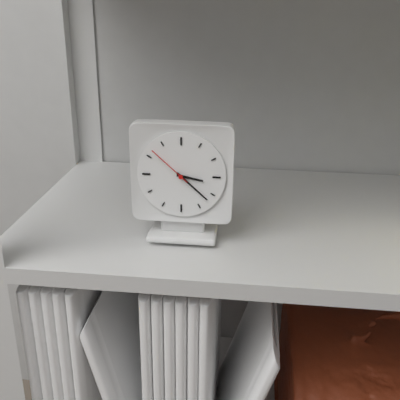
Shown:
3h22
